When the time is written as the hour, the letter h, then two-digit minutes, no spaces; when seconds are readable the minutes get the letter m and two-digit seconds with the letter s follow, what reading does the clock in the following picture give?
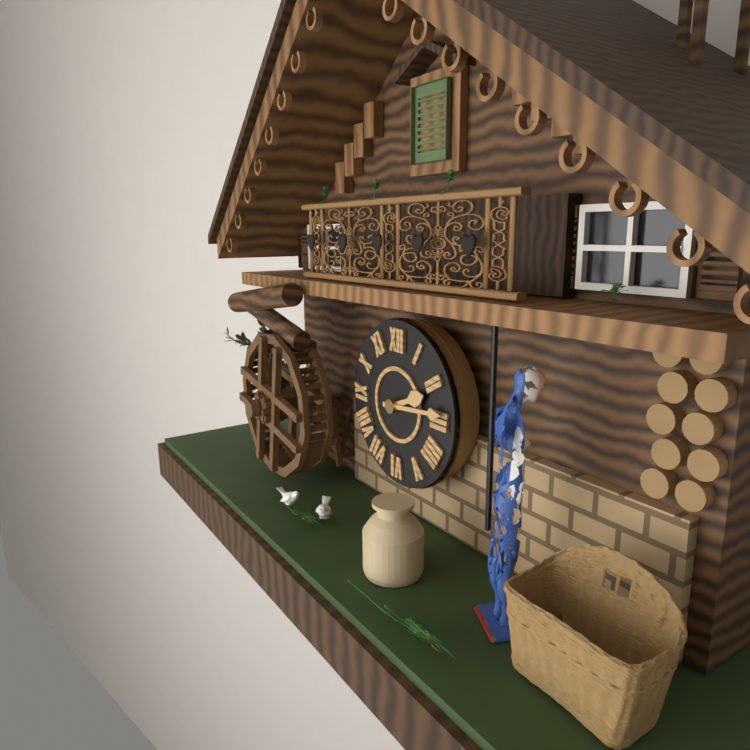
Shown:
2h14
